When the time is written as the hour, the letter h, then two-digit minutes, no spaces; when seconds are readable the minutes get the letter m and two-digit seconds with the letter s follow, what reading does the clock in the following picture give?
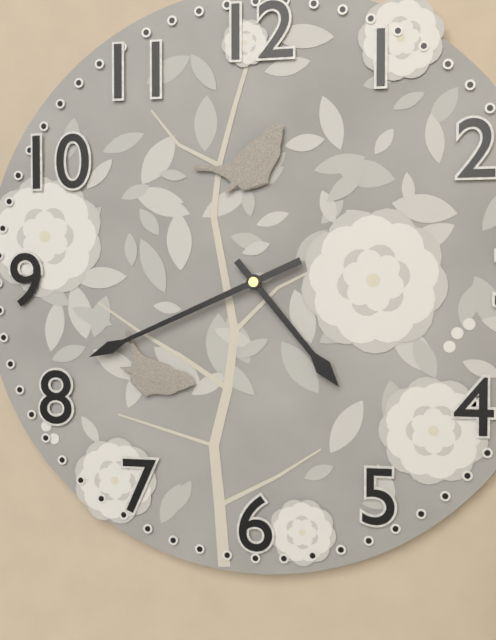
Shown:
4h41
